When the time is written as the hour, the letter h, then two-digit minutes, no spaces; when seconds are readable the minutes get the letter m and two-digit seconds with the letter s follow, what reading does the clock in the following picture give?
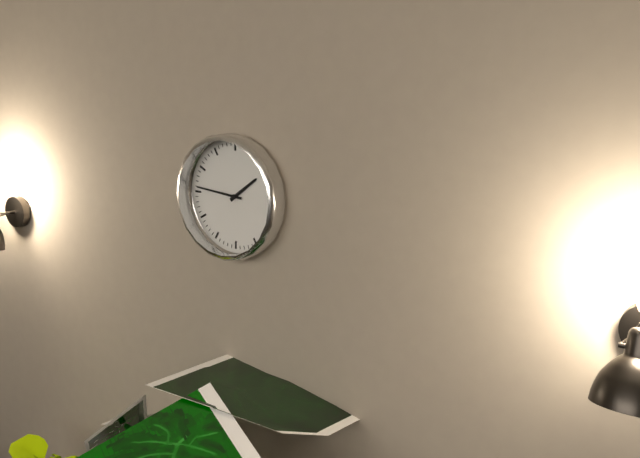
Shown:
1h46
